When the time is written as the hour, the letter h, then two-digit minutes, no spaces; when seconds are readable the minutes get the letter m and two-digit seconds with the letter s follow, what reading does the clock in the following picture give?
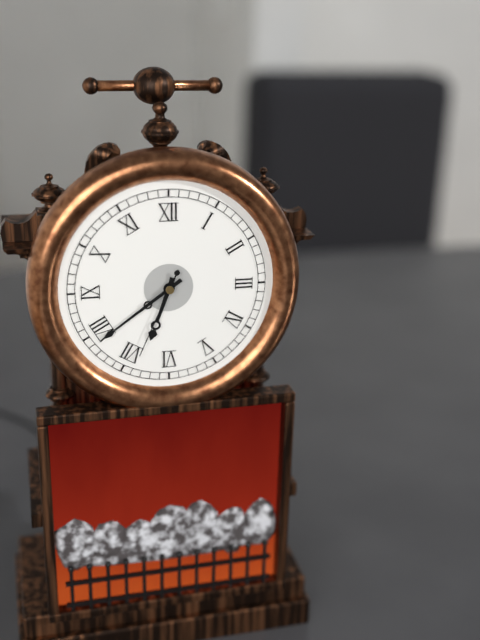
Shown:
6h39m34s
